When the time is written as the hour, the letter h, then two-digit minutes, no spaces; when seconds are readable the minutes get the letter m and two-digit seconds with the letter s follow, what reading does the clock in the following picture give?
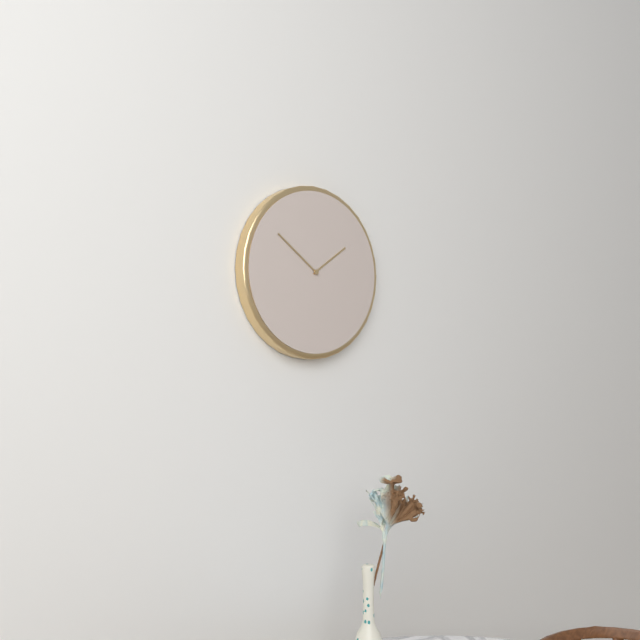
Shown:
1h51
